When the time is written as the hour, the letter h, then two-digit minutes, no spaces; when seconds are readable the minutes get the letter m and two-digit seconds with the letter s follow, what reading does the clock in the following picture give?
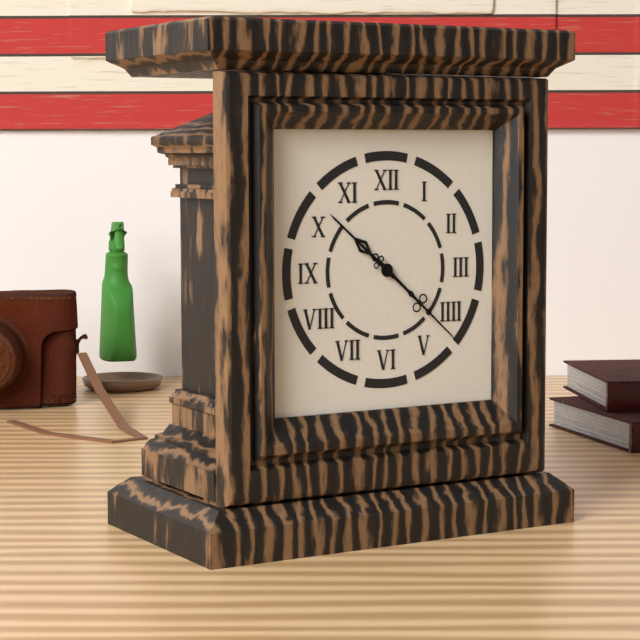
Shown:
10h22
